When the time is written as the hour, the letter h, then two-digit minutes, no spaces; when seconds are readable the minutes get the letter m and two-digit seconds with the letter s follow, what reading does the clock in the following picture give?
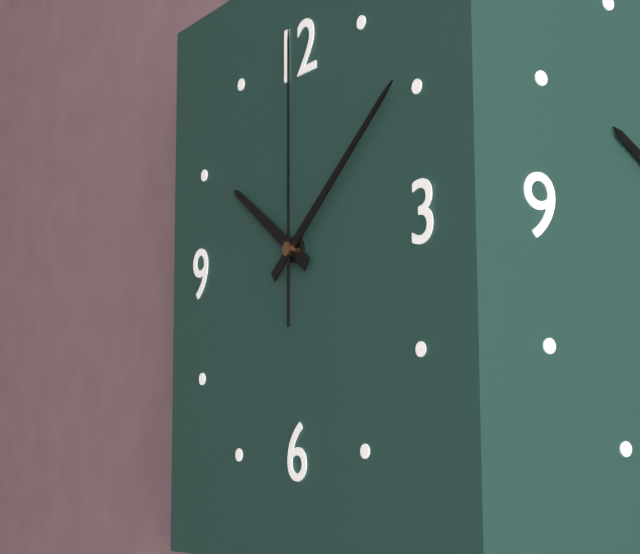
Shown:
10h09m00s
